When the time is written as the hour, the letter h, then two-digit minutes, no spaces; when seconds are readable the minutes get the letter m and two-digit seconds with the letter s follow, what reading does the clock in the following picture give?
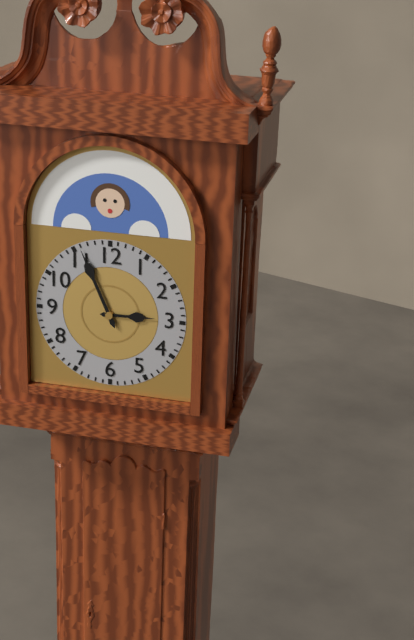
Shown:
2h56
